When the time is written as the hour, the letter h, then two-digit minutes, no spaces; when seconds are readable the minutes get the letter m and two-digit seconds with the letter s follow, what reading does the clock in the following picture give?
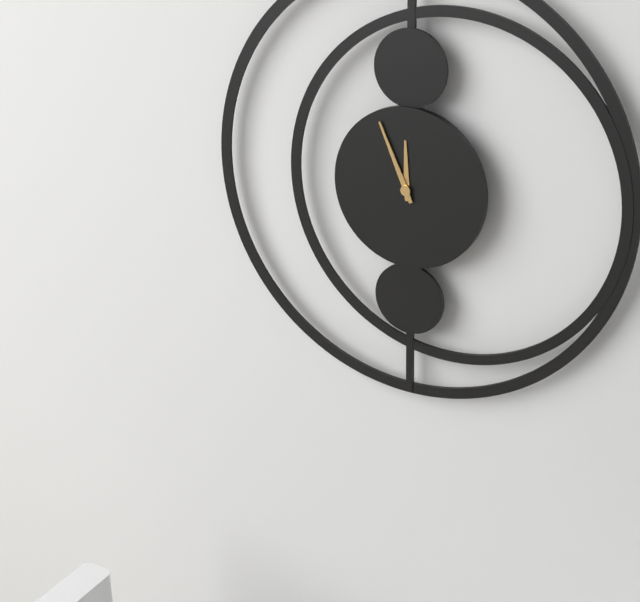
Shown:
11h56
